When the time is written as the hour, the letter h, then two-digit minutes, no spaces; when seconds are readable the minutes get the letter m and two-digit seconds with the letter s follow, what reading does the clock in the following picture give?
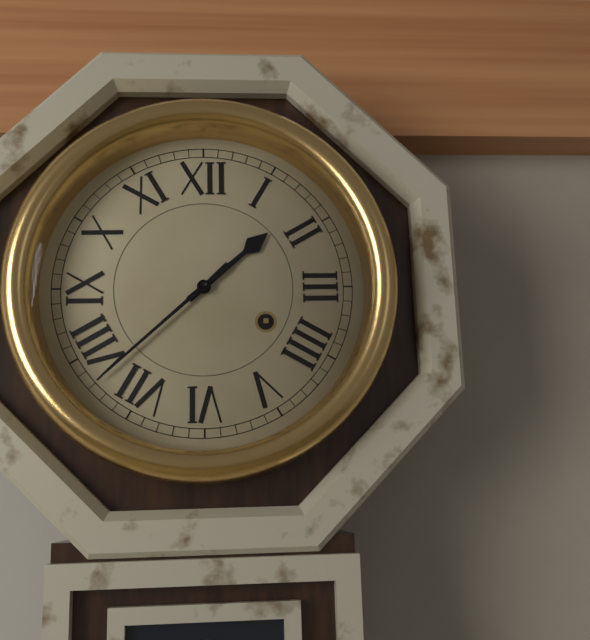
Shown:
1h38
